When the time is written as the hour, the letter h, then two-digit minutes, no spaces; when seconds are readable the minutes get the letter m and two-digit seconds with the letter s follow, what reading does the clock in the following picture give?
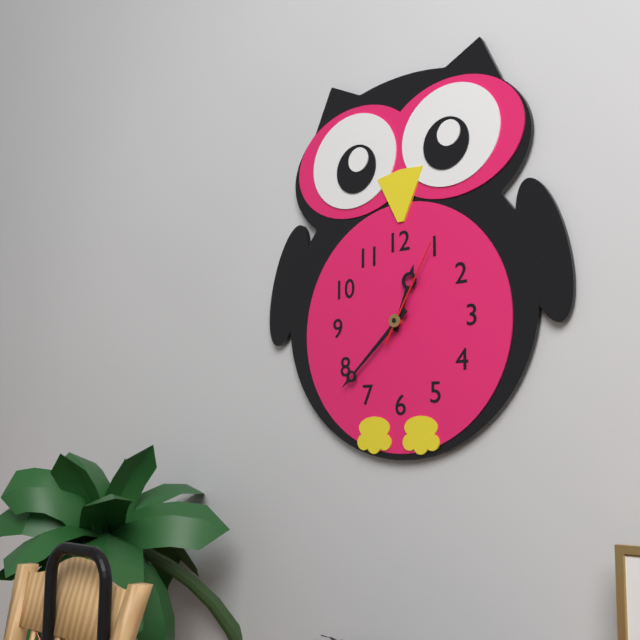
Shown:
12h38m05s
